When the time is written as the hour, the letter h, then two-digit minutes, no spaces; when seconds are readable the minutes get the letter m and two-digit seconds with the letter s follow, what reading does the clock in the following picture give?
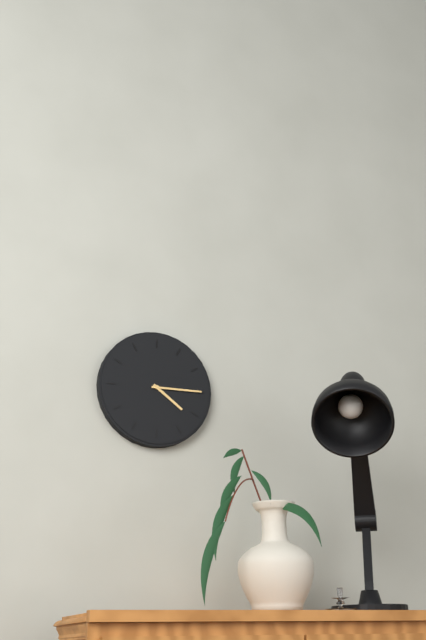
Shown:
4h15
